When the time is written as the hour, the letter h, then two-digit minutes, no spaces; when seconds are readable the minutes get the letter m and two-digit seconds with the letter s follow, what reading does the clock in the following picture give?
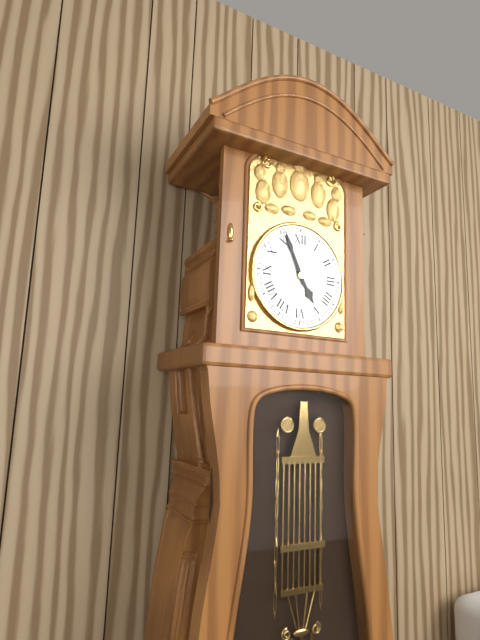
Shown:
4h56
